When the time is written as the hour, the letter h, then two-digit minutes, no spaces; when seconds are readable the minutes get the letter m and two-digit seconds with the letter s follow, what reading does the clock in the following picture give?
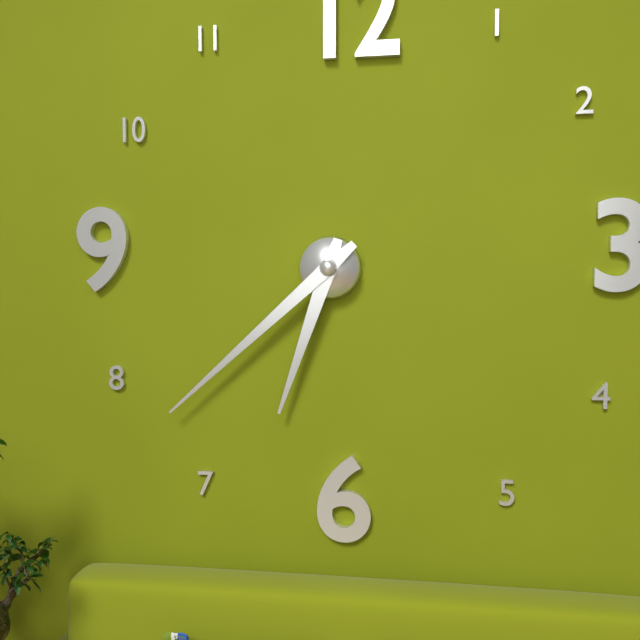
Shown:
6h38
